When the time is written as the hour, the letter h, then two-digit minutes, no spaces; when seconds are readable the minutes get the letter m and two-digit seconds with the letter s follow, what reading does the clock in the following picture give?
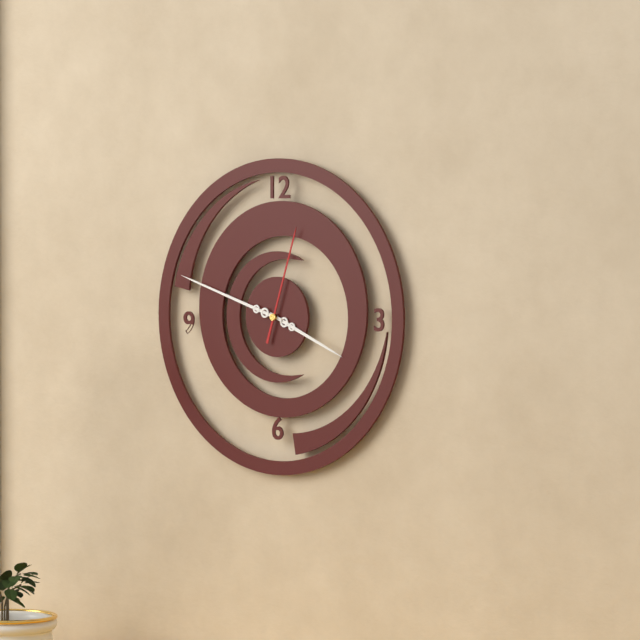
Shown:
3h48m03s
